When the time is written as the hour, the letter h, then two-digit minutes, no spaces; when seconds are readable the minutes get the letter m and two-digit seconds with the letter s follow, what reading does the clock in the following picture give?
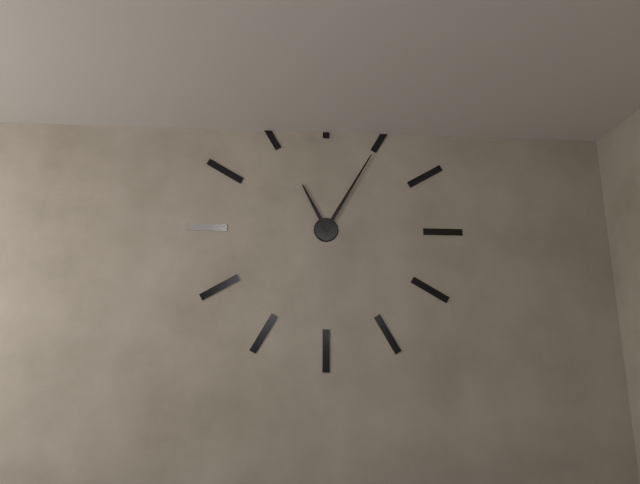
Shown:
11h05
